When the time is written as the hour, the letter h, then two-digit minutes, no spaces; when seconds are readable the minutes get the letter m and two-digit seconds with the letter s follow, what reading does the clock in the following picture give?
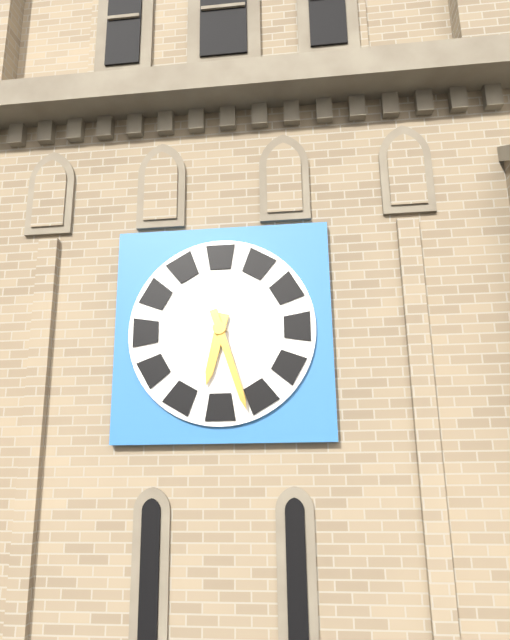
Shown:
6h27
